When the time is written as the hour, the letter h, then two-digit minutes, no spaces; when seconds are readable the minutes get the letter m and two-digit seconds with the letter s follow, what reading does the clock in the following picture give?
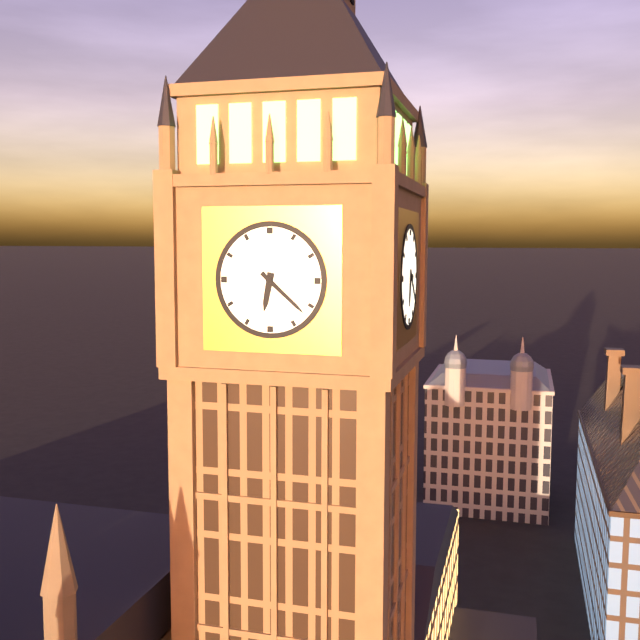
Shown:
6h22
